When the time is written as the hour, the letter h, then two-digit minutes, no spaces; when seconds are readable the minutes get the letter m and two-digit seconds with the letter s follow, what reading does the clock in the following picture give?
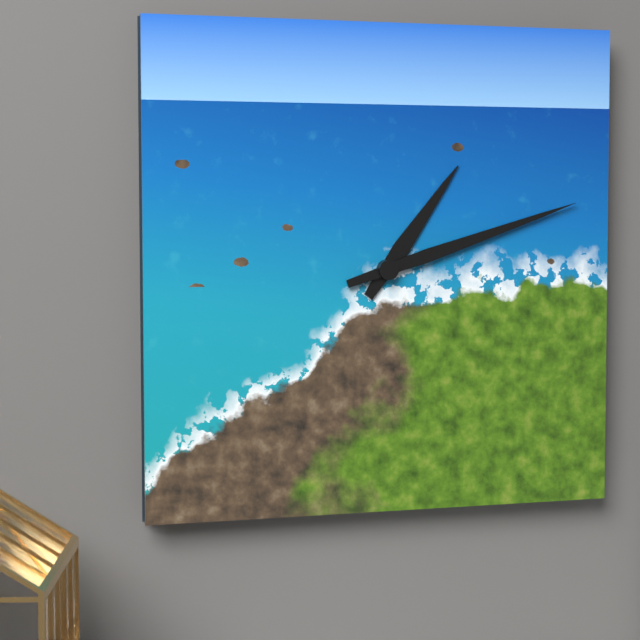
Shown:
1h12
